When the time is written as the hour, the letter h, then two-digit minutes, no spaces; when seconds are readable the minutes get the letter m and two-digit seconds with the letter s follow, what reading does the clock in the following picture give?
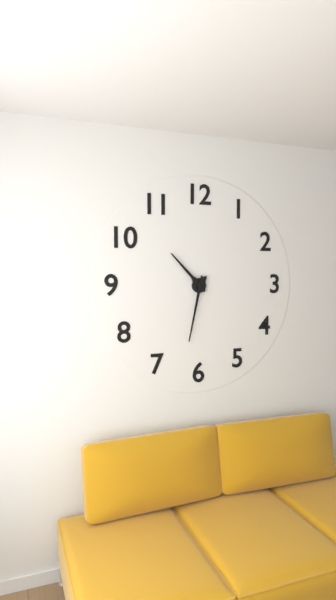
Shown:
10h32
